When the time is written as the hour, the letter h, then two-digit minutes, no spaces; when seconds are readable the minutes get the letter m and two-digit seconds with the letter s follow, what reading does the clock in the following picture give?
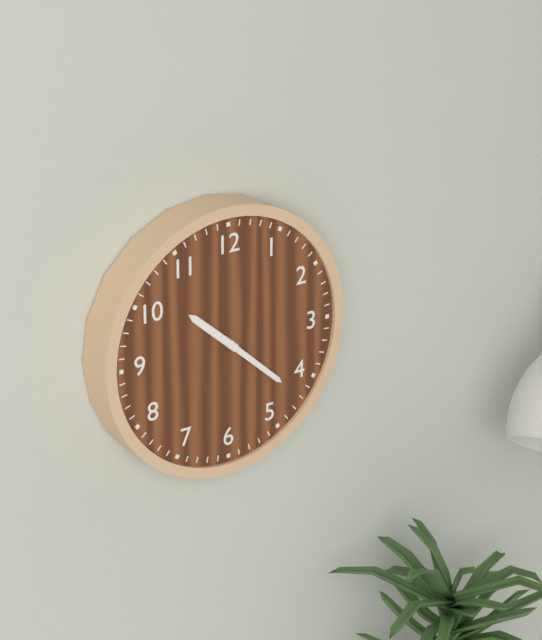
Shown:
10h22
